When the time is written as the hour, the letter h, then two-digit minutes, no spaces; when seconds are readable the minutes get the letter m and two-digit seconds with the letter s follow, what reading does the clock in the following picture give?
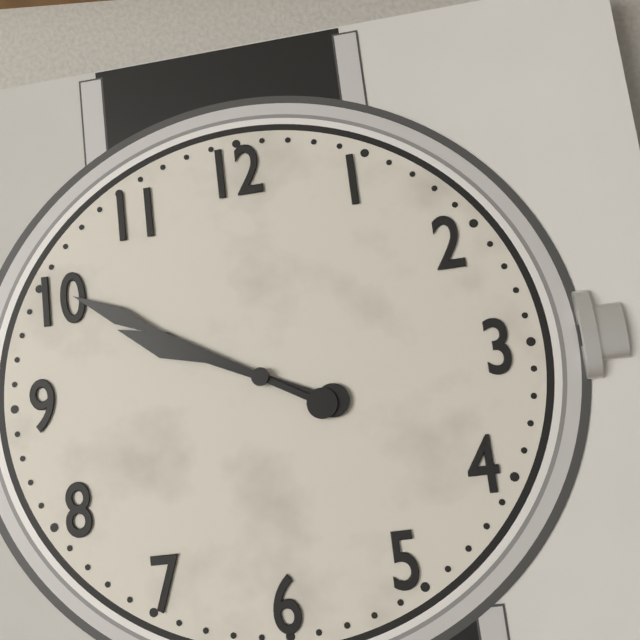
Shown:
9h50
